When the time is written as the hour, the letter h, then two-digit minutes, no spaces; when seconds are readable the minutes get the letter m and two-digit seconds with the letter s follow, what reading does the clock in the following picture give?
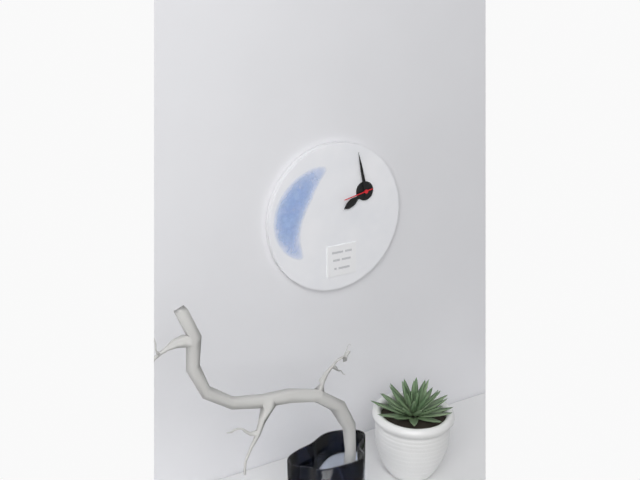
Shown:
7h58
